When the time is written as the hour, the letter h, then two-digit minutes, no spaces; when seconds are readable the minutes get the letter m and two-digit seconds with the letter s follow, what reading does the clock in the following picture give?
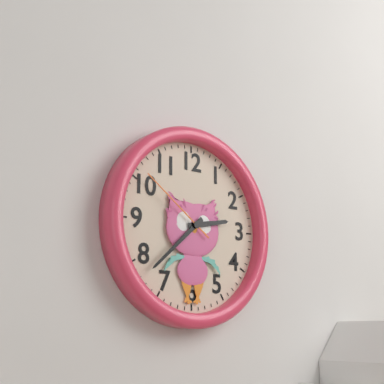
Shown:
2h38m51s
